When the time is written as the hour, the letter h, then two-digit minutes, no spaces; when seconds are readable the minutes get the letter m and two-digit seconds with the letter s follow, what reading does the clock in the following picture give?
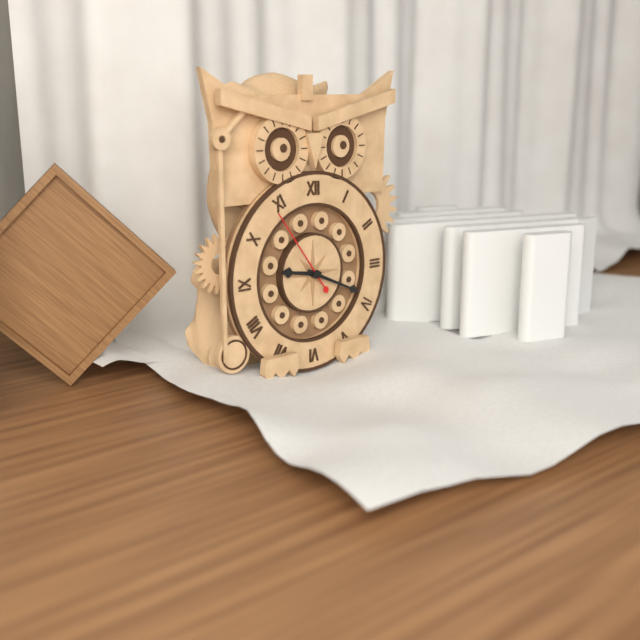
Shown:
9h19m54s
